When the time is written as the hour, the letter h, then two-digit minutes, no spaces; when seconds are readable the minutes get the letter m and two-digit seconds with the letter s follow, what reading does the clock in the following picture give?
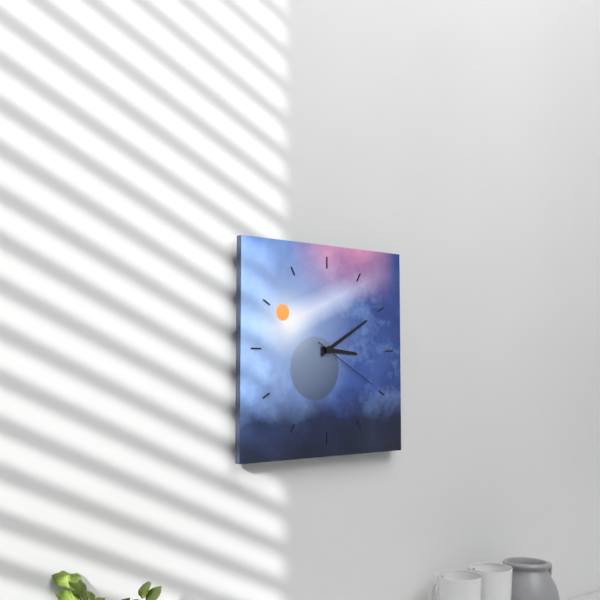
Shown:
3h10m20s
